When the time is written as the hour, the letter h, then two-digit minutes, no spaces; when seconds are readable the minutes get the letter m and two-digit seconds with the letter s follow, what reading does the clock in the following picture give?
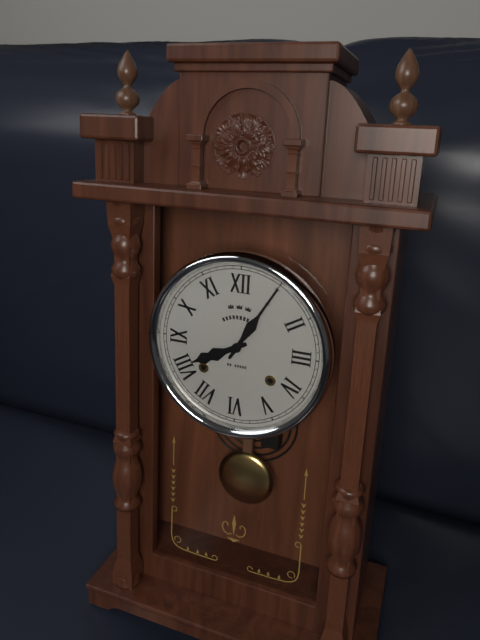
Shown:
8h05
